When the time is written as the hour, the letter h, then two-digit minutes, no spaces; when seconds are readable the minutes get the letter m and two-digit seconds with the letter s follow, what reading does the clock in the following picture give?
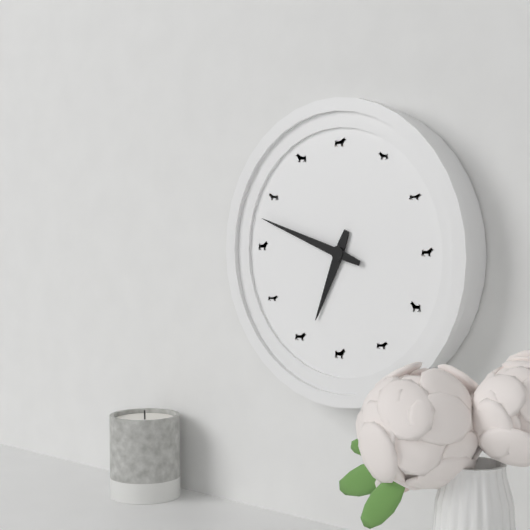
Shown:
6h48
